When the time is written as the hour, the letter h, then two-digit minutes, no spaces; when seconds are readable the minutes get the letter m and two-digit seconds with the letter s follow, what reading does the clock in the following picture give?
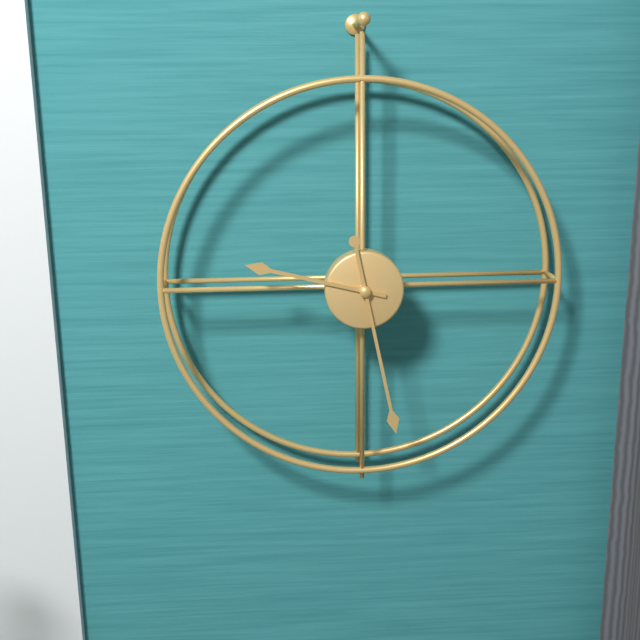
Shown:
9h28
